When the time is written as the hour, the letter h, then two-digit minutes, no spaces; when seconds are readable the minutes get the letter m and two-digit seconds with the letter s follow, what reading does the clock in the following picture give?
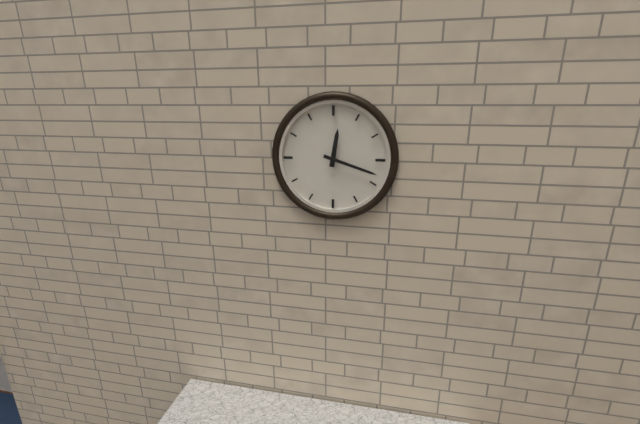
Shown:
12h18
